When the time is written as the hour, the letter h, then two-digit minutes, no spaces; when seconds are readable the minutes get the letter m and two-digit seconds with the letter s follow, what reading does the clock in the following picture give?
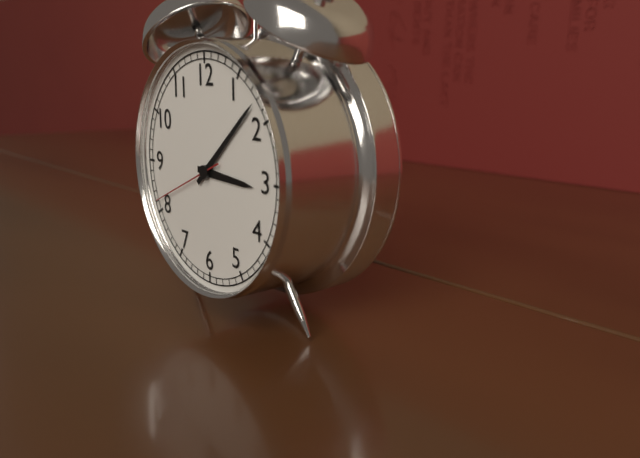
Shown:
3h08m41s
